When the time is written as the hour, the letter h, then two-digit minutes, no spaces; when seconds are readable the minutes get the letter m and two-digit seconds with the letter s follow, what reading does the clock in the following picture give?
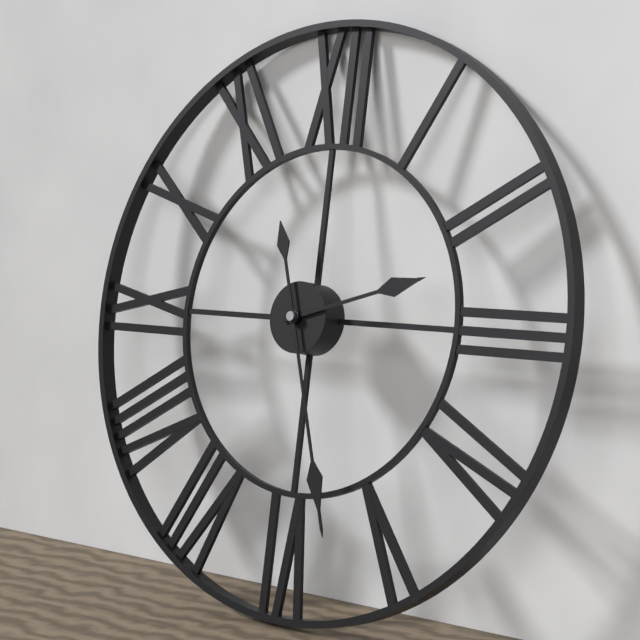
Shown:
2h27
